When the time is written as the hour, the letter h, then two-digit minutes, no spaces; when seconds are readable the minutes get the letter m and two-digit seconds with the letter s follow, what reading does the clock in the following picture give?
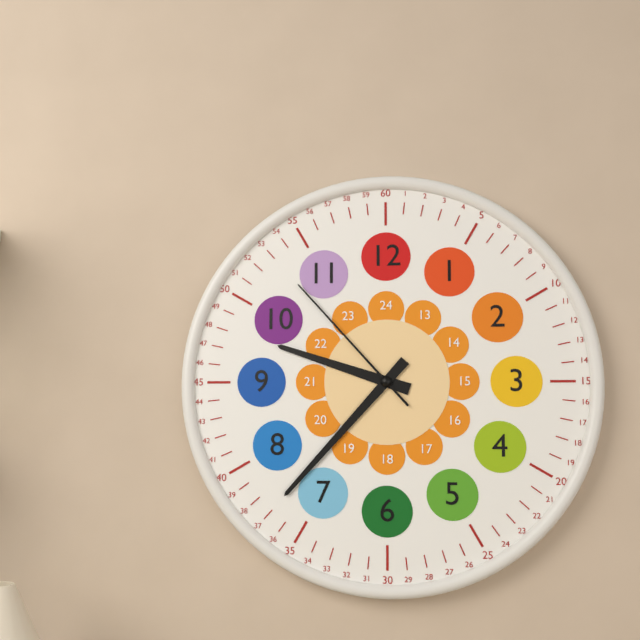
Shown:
9h37m53s
